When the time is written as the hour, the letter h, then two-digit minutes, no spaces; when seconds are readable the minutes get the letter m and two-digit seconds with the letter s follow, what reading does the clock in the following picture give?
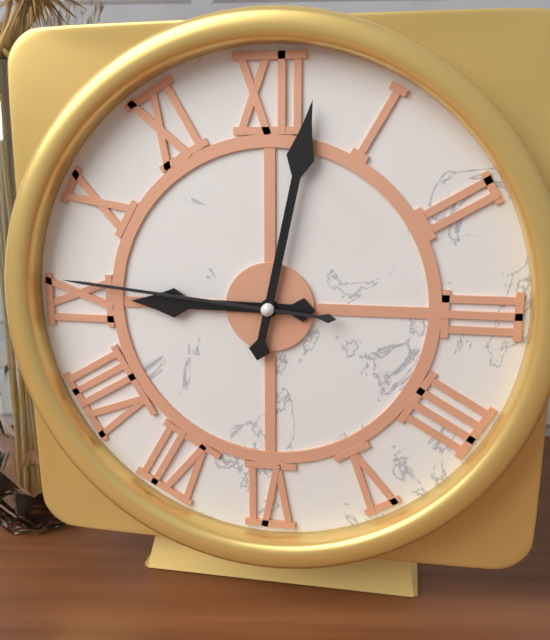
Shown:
9h02m46s
